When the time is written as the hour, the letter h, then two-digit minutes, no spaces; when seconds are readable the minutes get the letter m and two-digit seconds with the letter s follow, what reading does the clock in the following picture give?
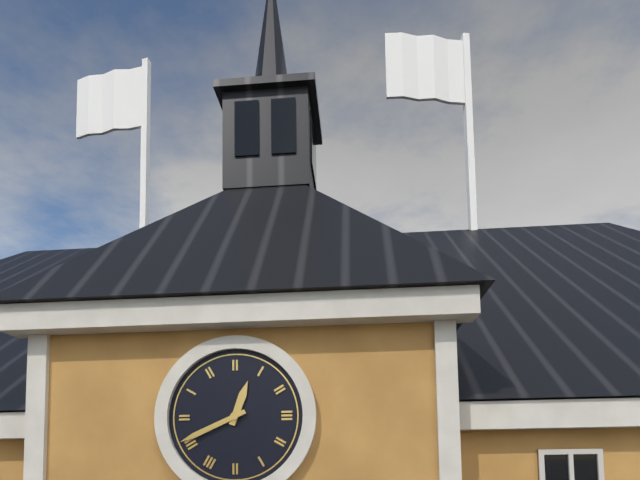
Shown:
12h41
